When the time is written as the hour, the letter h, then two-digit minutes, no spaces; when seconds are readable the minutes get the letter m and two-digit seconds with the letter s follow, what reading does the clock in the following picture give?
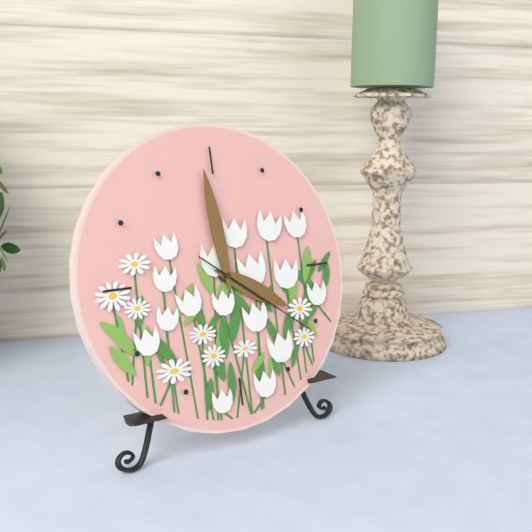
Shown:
3h59m21s
